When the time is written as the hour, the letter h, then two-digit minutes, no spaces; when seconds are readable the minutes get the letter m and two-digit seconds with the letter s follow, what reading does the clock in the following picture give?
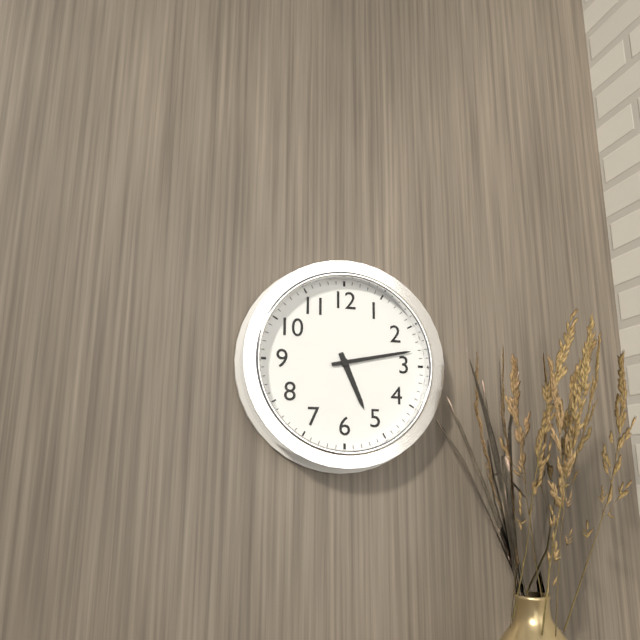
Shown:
5h13
